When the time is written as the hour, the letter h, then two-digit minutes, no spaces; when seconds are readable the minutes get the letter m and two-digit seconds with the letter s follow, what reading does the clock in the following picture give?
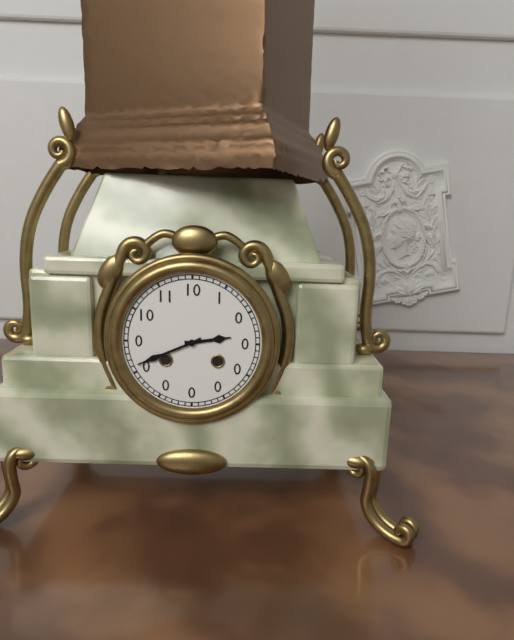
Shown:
2h41
